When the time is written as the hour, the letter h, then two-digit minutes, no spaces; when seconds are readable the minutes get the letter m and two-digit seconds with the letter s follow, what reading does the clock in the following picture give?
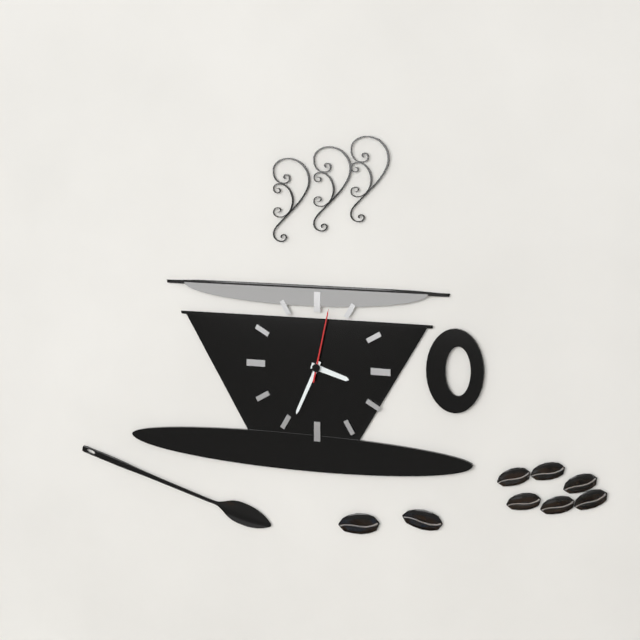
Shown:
3h34m02s
